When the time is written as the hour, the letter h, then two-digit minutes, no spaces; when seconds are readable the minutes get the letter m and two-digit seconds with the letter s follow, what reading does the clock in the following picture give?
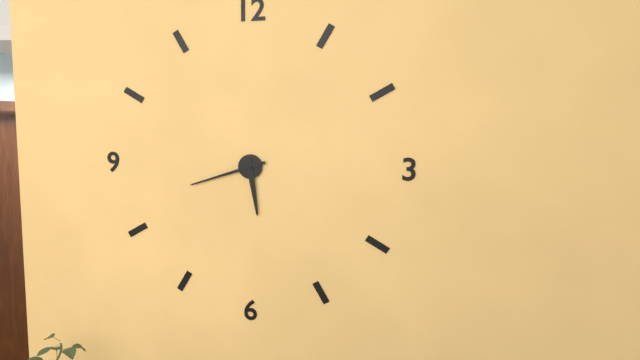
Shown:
5h42
